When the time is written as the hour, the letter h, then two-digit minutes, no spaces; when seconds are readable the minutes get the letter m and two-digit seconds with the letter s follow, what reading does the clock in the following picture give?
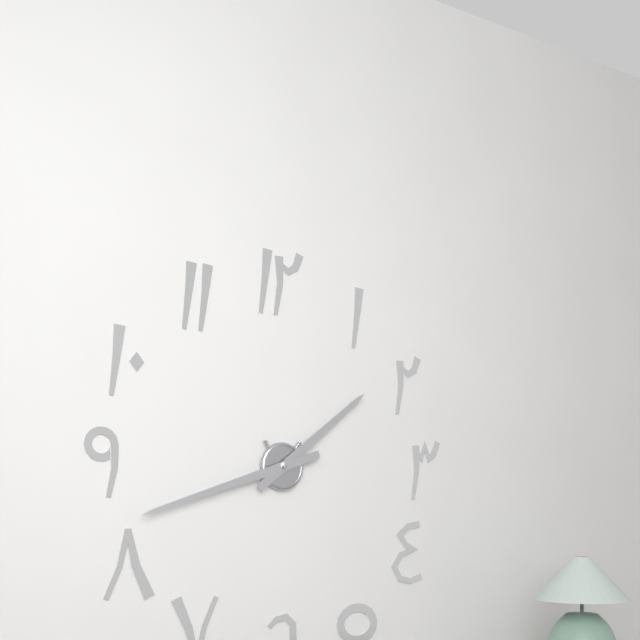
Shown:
1h42
